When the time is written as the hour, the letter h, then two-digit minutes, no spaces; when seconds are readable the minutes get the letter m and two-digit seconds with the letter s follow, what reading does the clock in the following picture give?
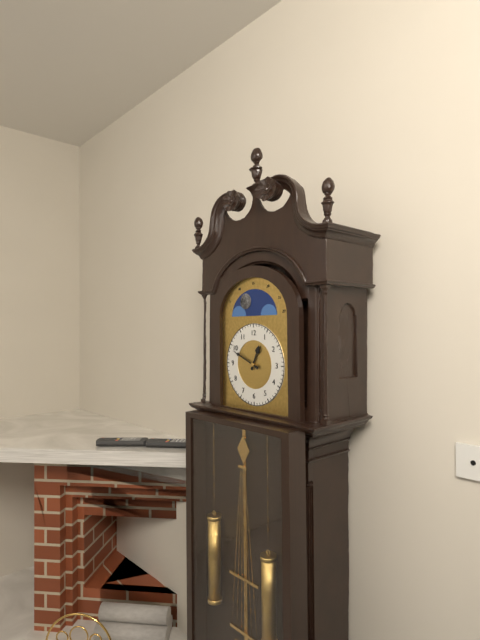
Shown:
12h49
